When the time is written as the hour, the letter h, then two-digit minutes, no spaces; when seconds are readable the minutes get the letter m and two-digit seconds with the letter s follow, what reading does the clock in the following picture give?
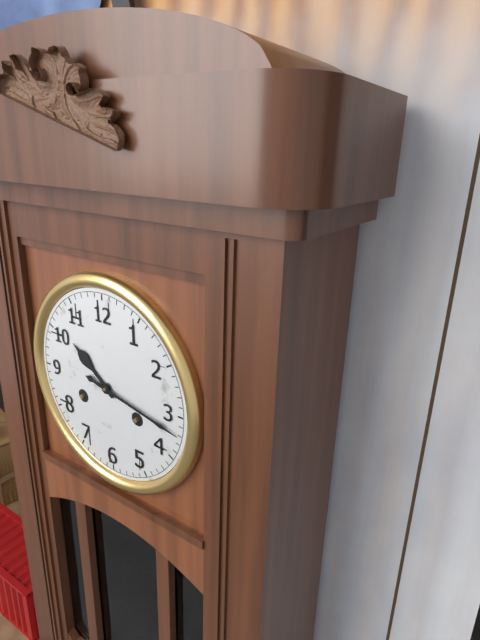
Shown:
10h17
